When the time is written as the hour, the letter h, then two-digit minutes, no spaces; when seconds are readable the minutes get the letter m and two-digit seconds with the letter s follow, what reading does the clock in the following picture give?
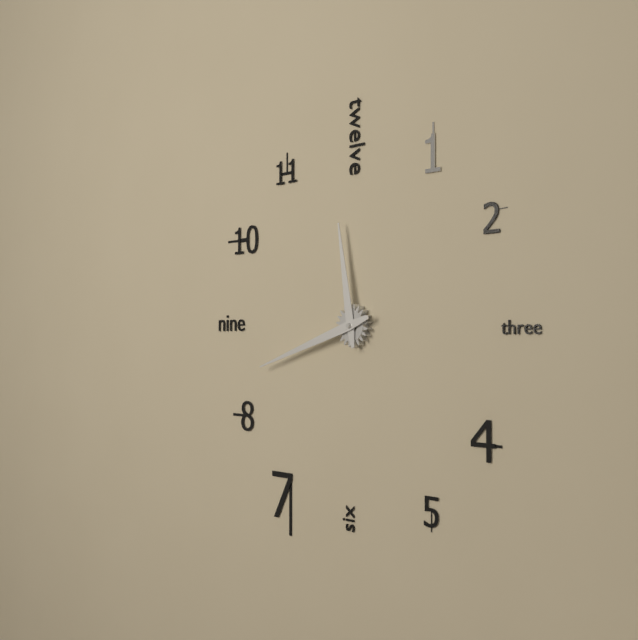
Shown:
11h42
